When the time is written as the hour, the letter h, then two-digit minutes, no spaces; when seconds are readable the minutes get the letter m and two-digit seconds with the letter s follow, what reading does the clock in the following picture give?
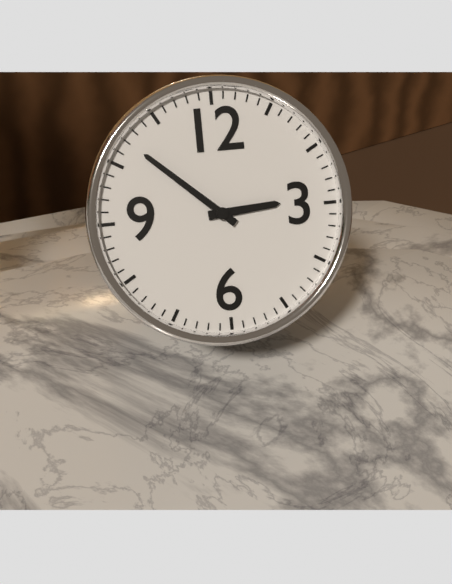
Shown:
2h52
